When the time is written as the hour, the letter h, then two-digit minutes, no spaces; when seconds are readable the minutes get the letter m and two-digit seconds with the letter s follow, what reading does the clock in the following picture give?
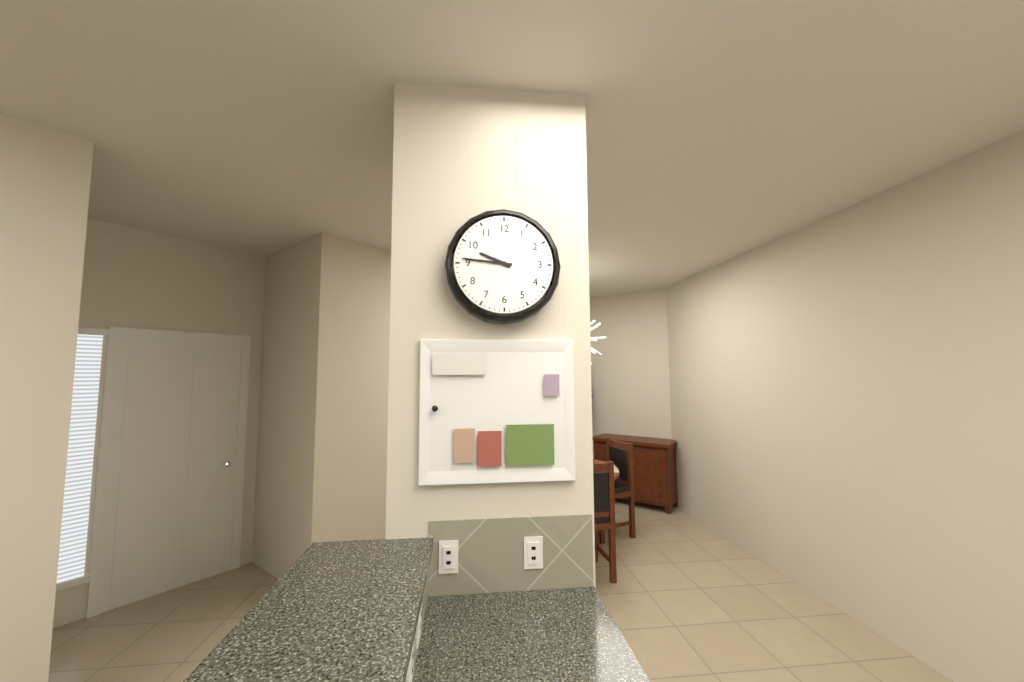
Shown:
9h46
